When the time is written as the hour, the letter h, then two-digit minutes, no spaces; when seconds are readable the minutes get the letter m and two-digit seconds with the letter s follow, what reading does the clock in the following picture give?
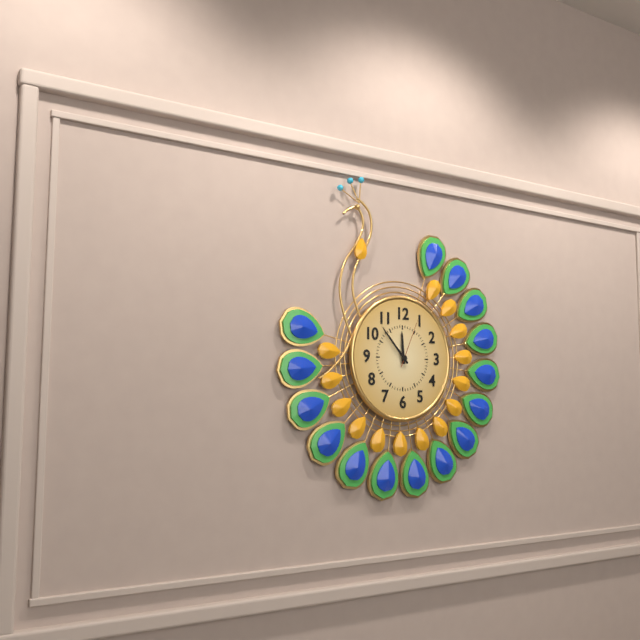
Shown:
11h53m04s
